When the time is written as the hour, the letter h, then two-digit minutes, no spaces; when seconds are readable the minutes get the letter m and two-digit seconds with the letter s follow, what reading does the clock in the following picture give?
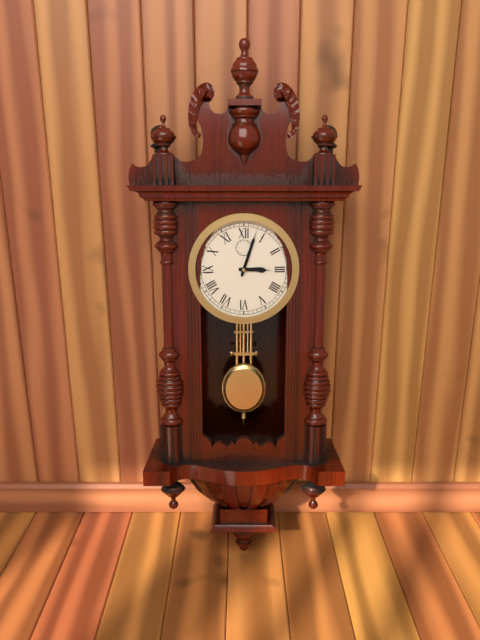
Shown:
3h03
